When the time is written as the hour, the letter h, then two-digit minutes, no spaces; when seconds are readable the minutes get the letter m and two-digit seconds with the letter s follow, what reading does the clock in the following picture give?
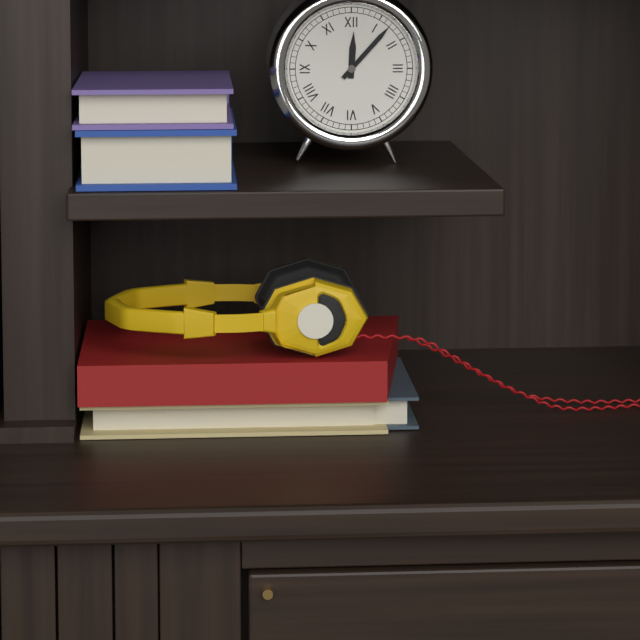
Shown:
12h07
